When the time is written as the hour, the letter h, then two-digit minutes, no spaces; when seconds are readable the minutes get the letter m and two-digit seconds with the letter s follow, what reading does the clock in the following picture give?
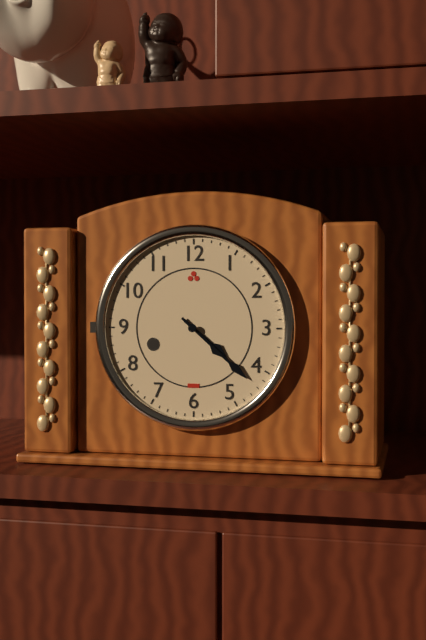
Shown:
4h22
